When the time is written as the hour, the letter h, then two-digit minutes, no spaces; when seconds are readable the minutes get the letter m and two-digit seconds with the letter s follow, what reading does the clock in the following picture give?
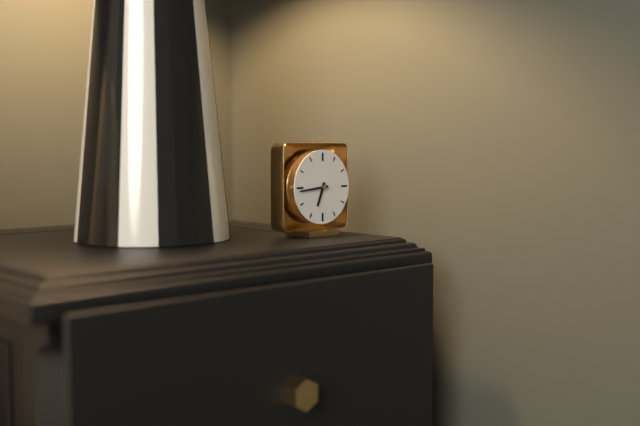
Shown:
6h44
